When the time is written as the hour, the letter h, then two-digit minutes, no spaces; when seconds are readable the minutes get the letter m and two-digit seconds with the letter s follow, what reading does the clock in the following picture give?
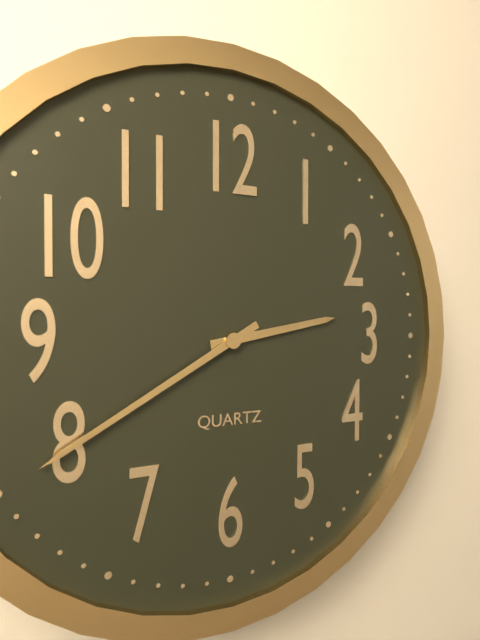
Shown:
2h40
